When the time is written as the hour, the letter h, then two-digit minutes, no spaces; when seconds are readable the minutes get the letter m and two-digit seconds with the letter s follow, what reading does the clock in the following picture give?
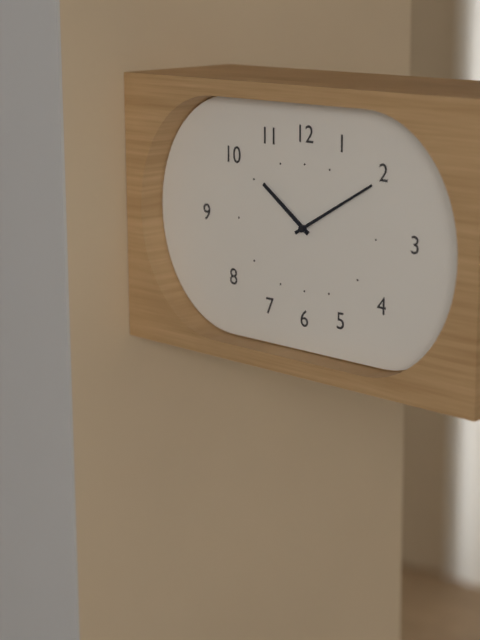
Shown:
10h10
